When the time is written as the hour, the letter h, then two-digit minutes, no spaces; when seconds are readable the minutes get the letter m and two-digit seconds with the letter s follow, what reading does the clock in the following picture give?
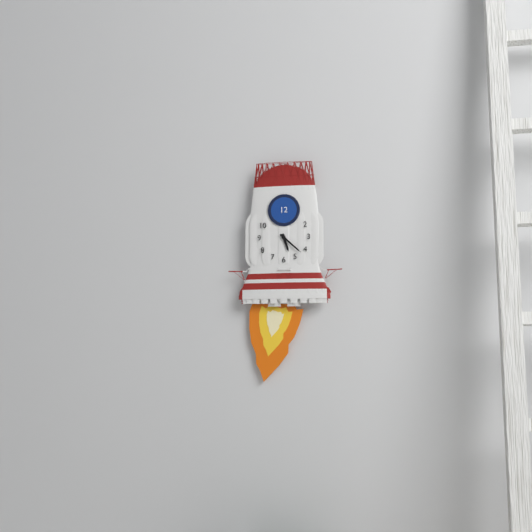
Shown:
5h22
